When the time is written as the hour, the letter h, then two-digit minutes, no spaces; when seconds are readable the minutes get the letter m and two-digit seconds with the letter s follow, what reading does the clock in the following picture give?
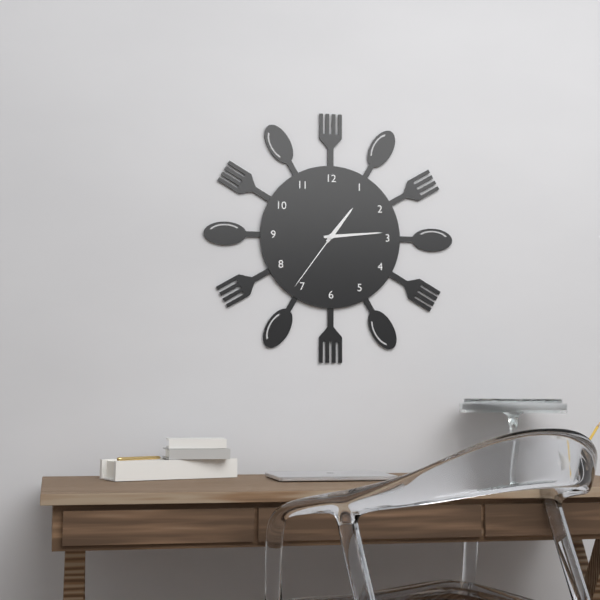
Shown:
1h14m36s
